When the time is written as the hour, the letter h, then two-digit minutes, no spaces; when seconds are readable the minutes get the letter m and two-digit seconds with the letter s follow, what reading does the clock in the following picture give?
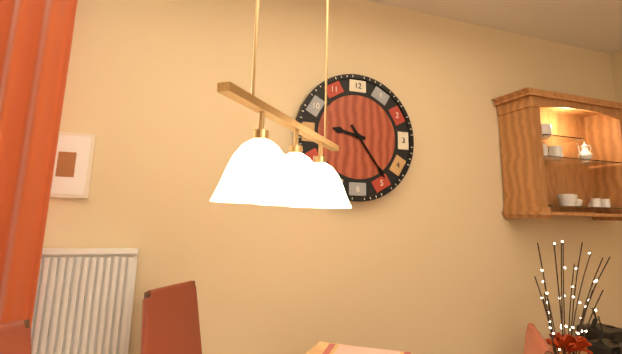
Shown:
9h24
